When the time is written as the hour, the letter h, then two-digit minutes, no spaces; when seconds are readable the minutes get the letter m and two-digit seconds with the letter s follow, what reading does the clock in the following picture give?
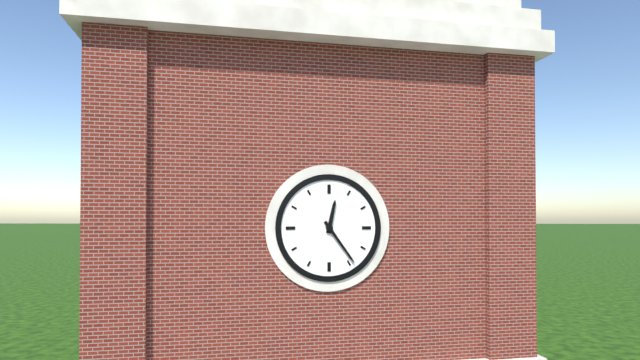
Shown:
12h24
